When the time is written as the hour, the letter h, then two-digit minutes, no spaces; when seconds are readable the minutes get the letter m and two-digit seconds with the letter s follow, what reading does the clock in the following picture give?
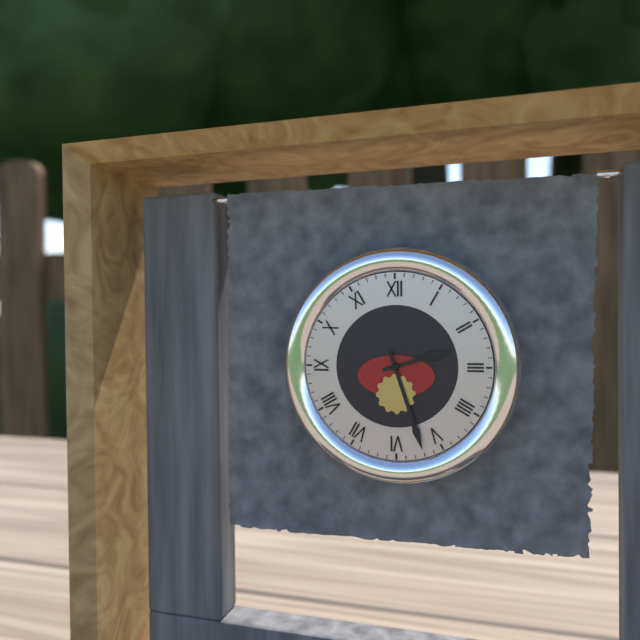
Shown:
2h27
